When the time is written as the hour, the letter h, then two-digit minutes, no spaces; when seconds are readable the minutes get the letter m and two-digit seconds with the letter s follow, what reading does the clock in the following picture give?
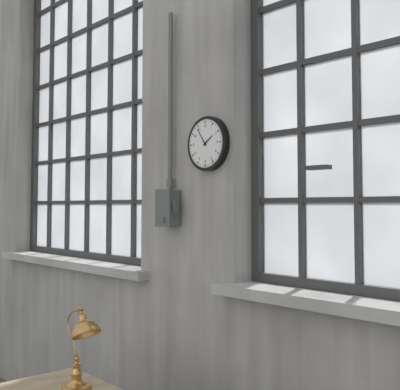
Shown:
1h54
